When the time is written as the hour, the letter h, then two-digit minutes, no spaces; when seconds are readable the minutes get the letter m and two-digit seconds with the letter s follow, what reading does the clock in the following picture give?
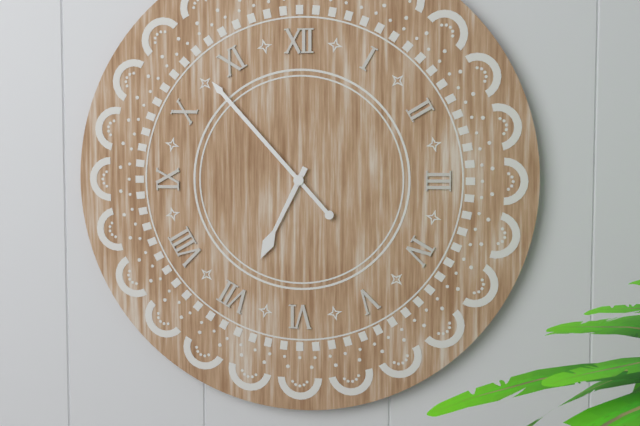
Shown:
6h53
